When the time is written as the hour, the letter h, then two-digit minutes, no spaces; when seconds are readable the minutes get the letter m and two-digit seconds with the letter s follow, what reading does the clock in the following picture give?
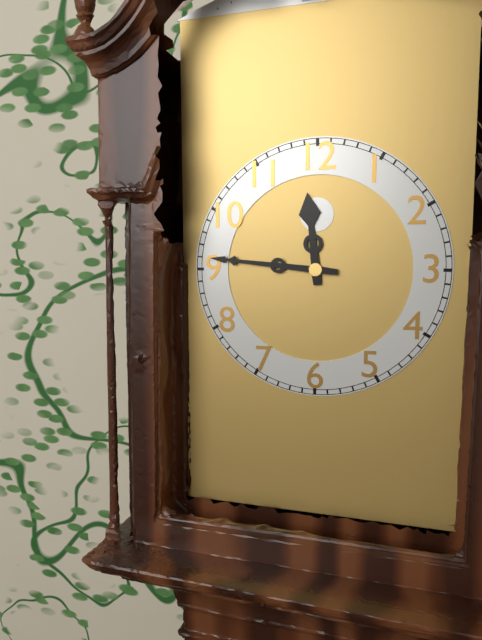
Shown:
11h46
